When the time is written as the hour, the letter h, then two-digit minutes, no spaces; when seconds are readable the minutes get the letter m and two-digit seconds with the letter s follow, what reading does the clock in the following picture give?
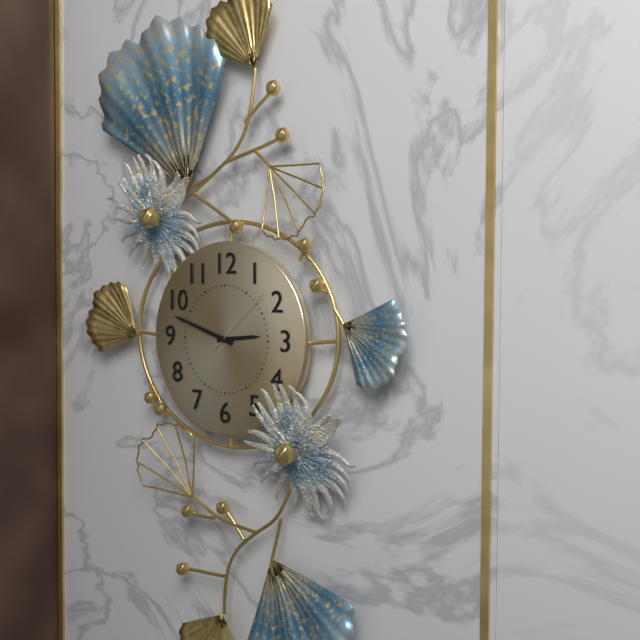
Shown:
2h48m08s
